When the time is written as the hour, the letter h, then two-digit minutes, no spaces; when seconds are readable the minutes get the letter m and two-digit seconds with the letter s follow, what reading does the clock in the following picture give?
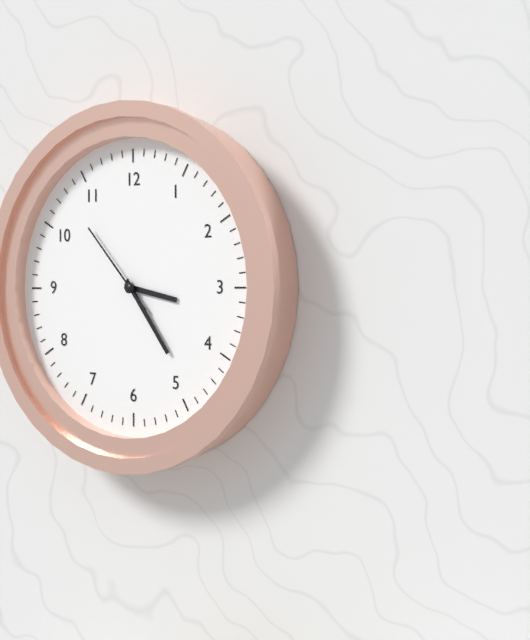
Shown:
3h24m53s
